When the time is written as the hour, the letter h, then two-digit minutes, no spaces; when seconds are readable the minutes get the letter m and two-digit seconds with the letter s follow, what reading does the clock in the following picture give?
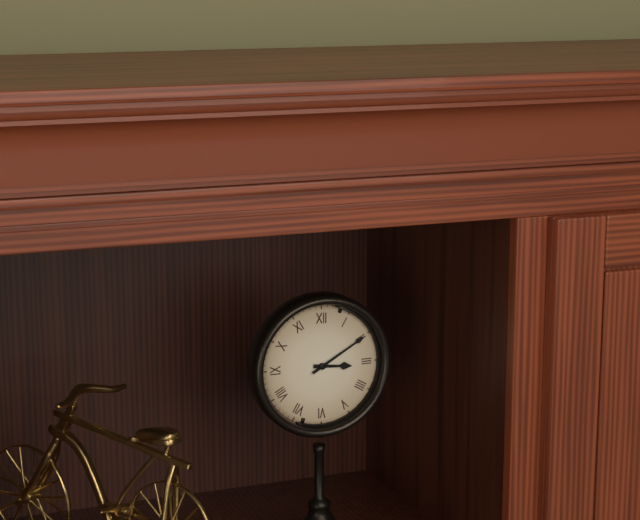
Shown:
3h10
